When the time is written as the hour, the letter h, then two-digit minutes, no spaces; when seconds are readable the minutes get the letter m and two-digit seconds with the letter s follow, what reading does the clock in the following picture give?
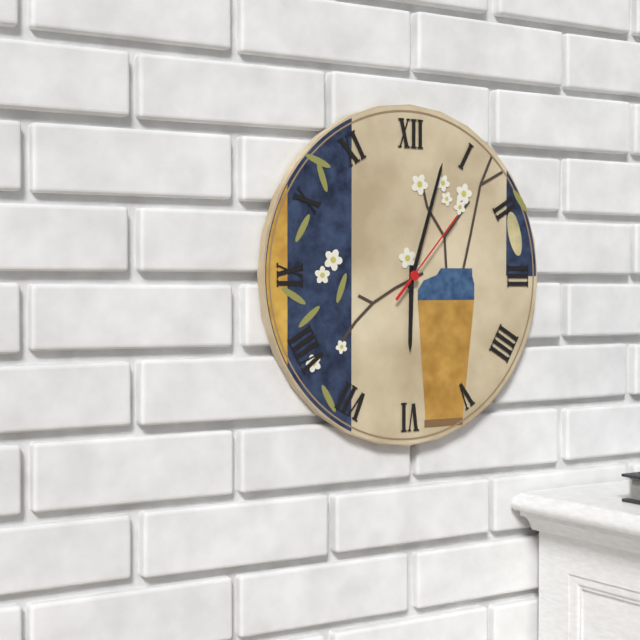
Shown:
6h03m07s
